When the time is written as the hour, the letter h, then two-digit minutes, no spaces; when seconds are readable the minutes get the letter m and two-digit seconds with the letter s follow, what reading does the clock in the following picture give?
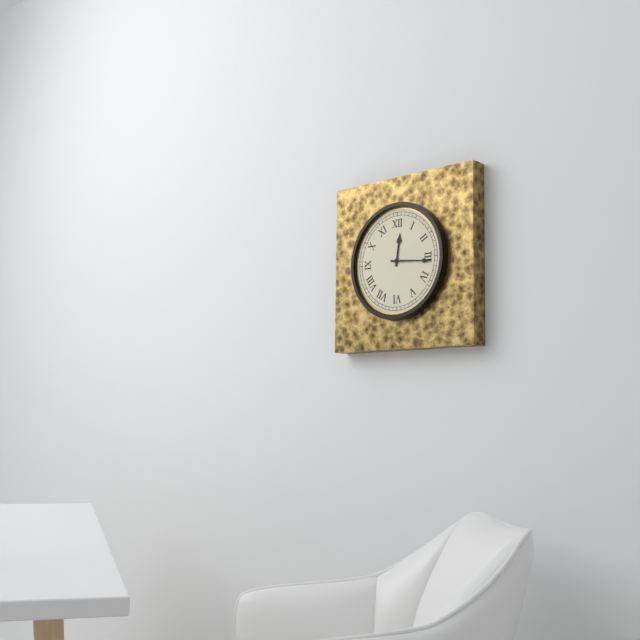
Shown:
12h16
